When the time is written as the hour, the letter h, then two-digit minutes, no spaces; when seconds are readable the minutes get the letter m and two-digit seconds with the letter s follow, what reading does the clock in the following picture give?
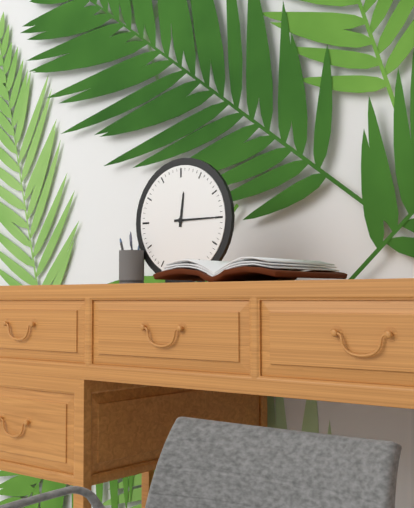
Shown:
12h15
